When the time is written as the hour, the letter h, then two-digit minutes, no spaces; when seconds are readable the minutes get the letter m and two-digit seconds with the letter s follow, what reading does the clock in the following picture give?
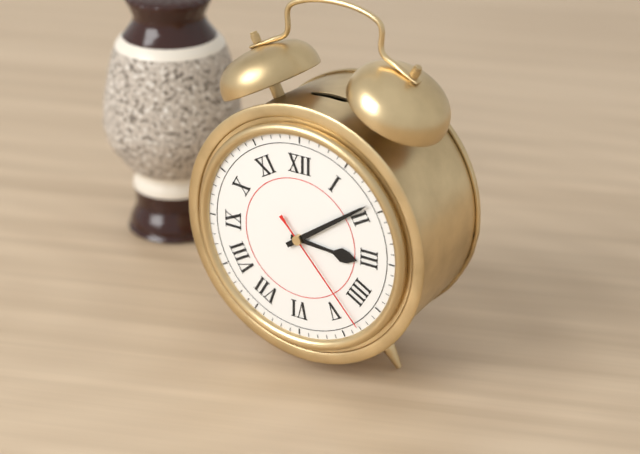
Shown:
3h09m23s
